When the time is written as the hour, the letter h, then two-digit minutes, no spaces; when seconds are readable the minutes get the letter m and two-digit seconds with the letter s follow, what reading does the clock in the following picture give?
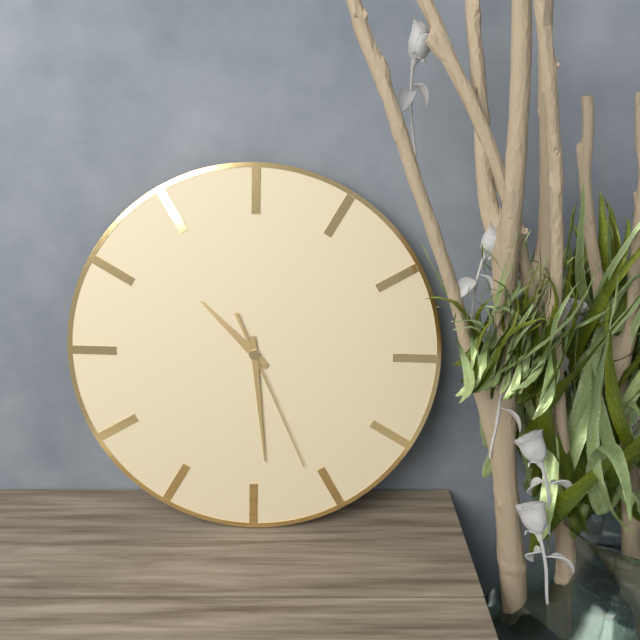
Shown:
10h29m26s
